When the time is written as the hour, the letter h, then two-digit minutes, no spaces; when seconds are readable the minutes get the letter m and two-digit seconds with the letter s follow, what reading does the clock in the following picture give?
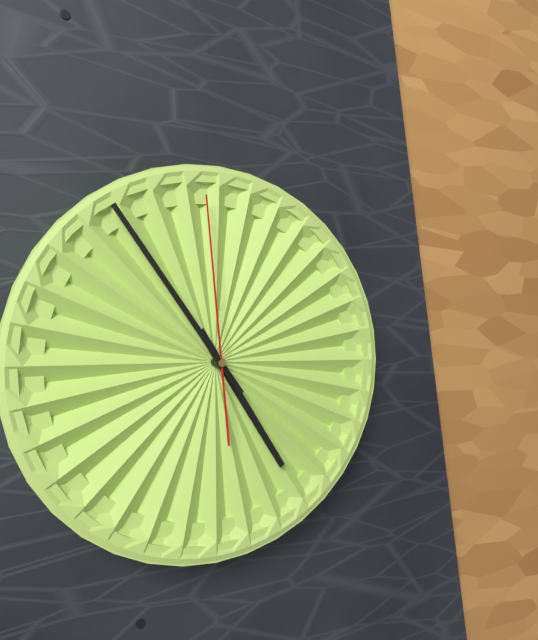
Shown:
4h54m59s
